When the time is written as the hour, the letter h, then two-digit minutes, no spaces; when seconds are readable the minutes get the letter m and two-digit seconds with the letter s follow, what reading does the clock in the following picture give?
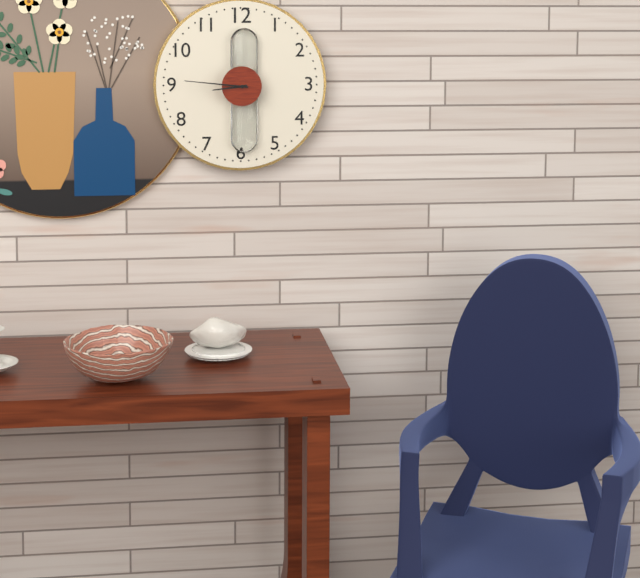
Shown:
8h46
